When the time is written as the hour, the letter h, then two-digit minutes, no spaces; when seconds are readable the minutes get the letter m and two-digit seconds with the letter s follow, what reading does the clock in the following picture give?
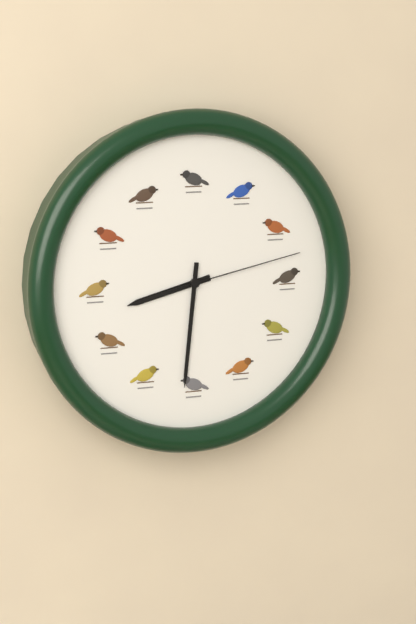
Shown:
8h31m13s
